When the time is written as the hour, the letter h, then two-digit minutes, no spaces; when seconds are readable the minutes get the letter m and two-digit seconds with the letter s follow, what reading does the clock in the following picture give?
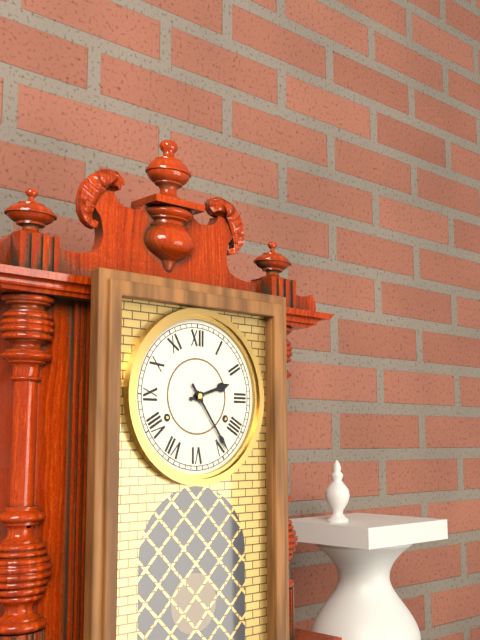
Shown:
2h24
